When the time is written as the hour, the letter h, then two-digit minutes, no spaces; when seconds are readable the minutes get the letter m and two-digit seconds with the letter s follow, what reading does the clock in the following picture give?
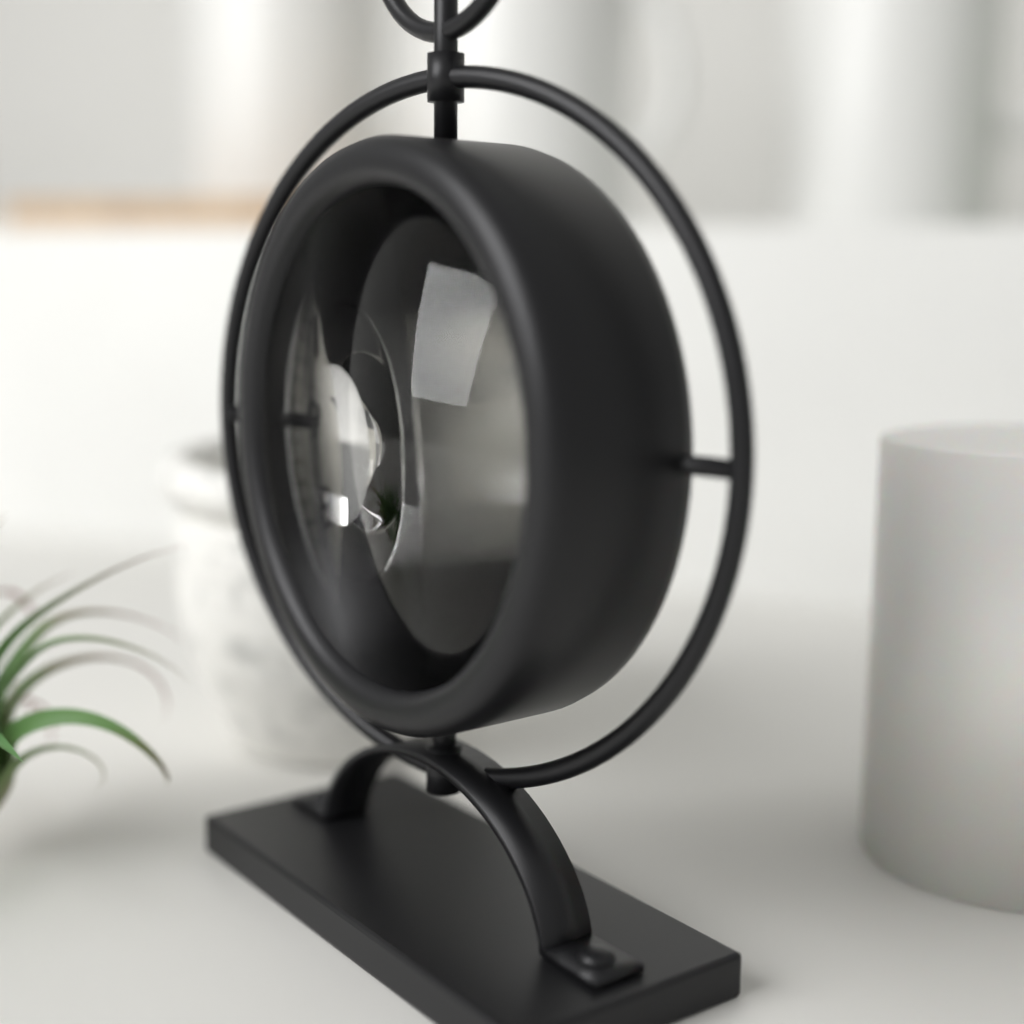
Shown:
9h29
